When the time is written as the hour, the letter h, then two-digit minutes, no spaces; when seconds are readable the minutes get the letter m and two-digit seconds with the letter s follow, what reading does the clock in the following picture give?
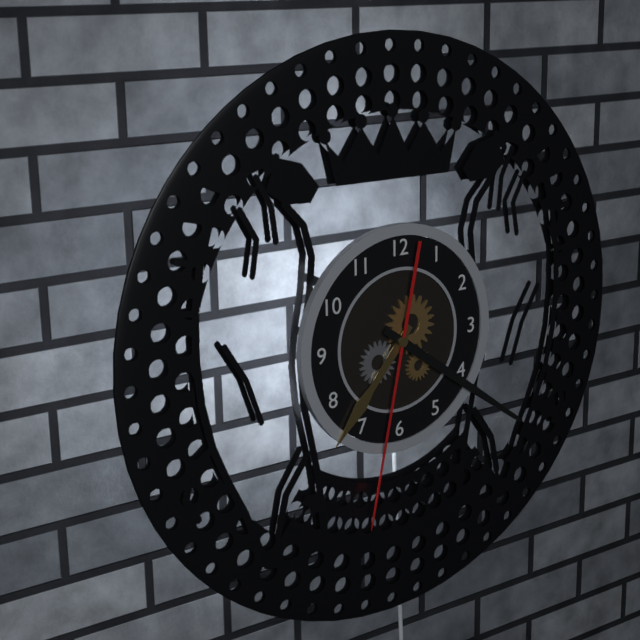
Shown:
7h21m32s
